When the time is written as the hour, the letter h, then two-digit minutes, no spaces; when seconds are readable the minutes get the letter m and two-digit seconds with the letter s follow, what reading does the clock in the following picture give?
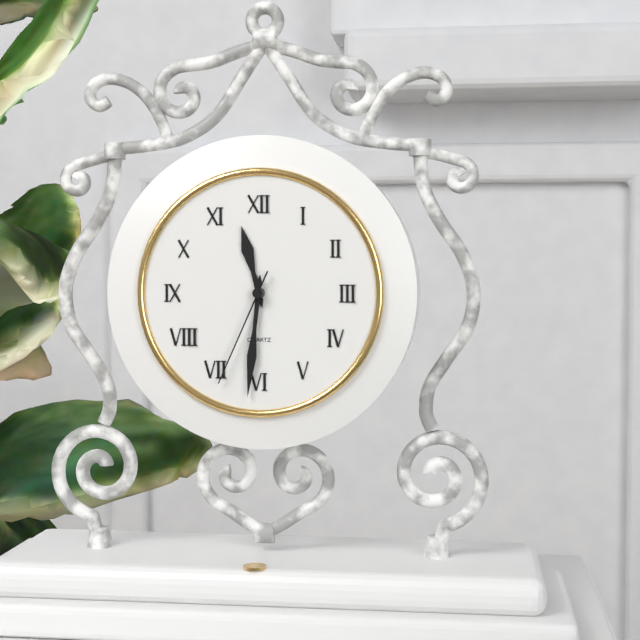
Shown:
11h31m34s
